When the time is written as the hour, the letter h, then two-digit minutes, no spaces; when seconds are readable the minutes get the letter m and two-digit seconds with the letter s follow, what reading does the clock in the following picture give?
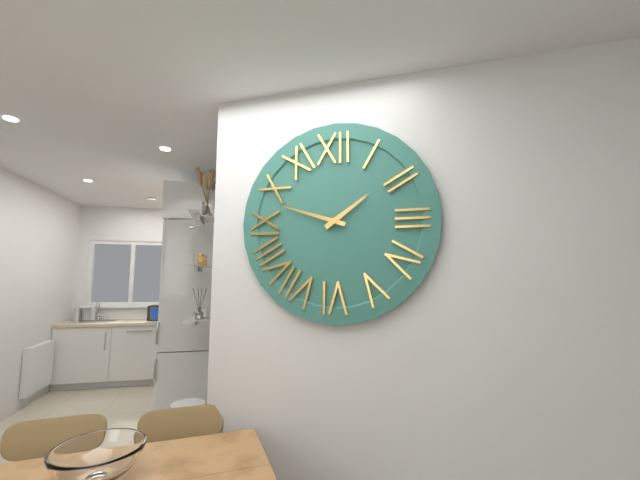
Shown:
1h48
